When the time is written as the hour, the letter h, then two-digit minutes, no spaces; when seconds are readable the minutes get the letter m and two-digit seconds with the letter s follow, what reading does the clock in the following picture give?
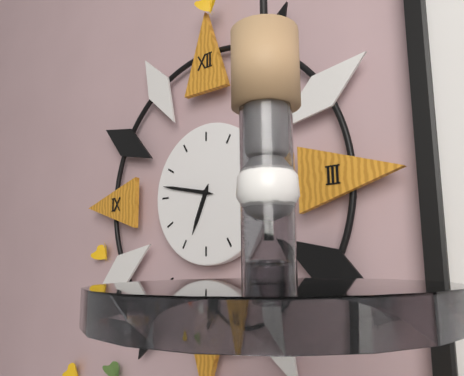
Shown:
6h47
